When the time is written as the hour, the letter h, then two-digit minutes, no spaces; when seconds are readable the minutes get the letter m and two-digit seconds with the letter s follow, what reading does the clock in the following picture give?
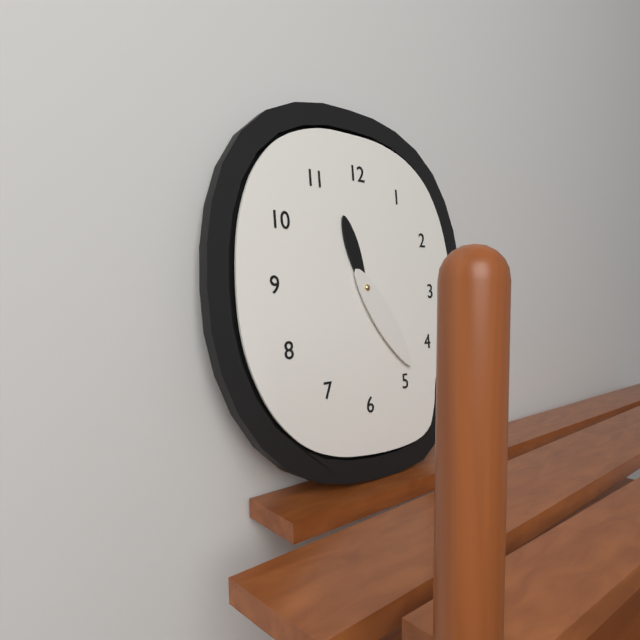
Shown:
11h24
